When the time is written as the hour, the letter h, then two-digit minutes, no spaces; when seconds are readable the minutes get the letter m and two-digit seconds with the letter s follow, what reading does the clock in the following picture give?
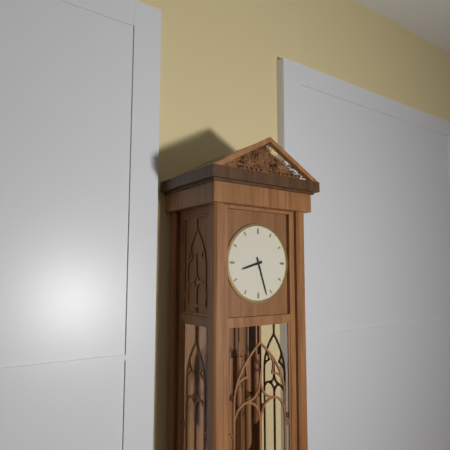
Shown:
8h27
